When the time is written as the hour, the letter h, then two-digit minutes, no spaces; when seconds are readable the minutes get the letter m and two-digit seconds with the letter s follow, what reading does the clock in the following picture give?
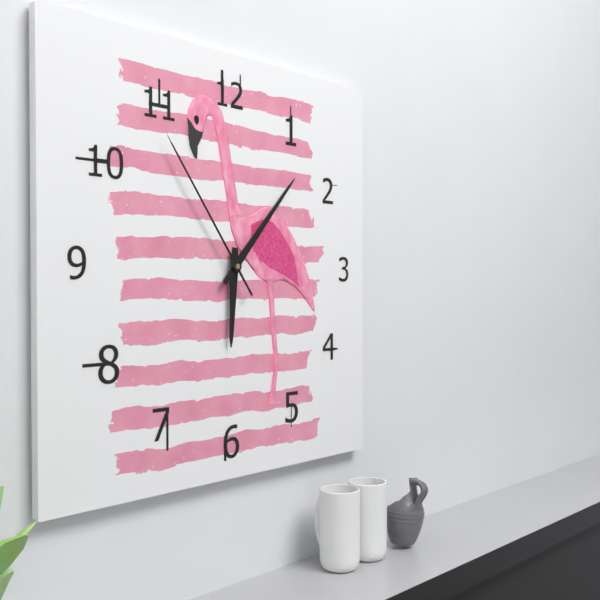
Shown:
6h07m54s
